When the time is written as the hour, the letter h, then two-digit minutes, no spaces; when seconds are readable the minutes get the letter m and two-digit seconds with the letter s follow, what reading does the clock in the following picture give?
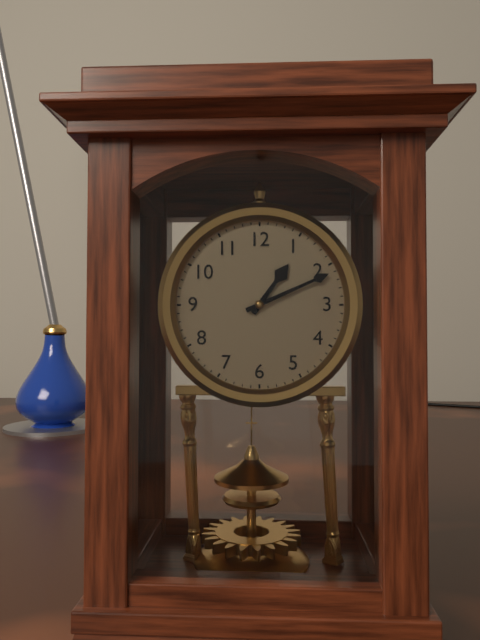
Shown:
1h11
